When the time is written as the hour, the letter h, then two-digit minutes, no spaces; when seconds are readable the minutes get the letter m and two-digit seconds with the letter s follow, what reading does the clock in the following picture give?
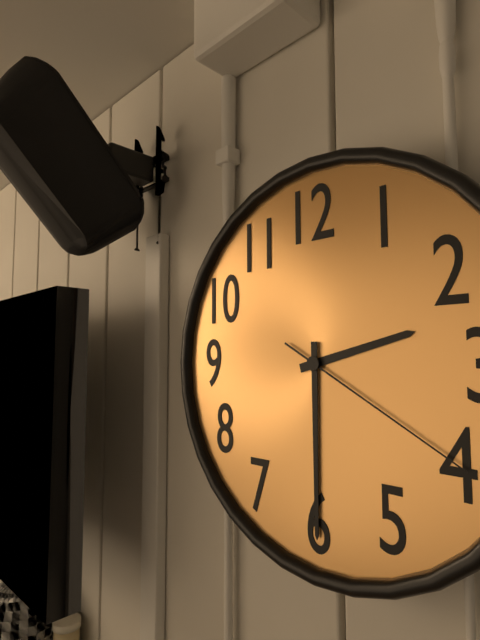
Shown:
2h30m20s
